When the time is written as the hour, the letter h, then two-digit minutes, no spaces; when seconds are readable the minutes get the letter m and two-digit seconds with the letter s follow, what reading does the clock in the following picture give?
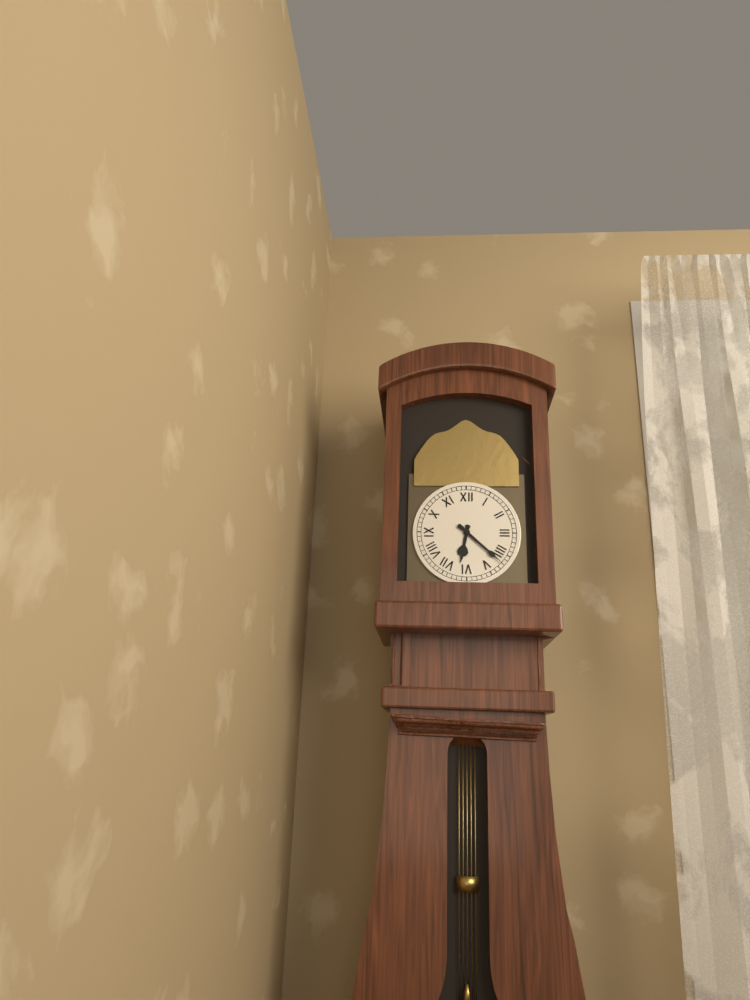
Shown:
6h22
